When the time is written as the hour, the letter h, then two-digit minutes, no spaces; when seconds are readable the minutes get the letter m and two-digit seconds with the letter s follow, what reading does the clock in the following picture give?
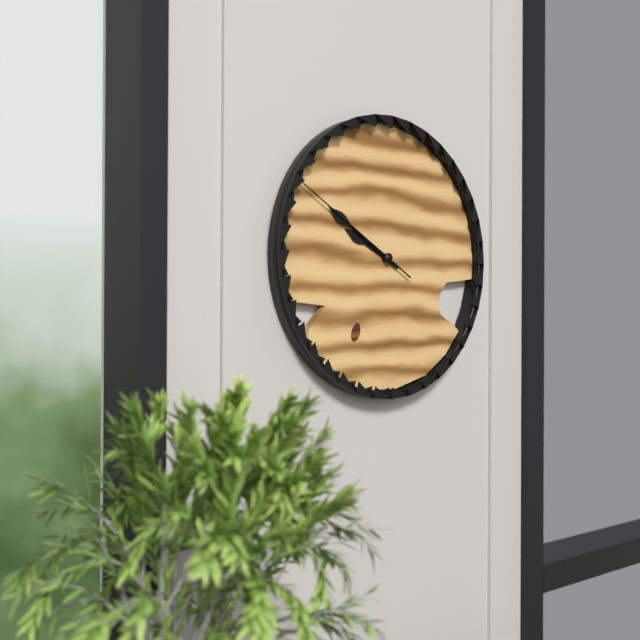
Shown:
9h50m50s
